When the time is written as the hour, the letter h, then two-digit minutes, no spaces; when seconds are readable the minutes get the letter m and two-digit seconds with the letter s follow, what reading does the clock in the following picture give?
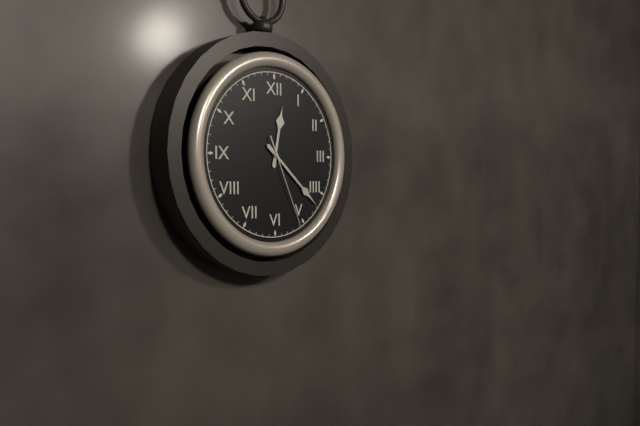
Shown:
12h22m26s
